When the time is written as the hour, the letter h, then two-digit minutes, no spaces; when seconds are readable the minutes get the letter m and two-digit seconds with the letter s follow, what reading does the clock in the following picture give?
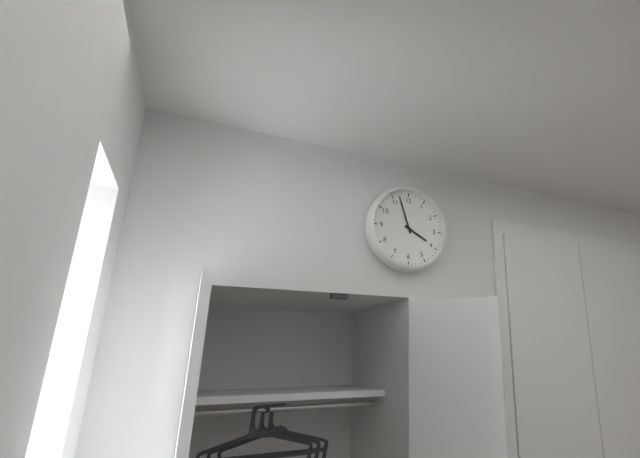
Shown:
3h57
